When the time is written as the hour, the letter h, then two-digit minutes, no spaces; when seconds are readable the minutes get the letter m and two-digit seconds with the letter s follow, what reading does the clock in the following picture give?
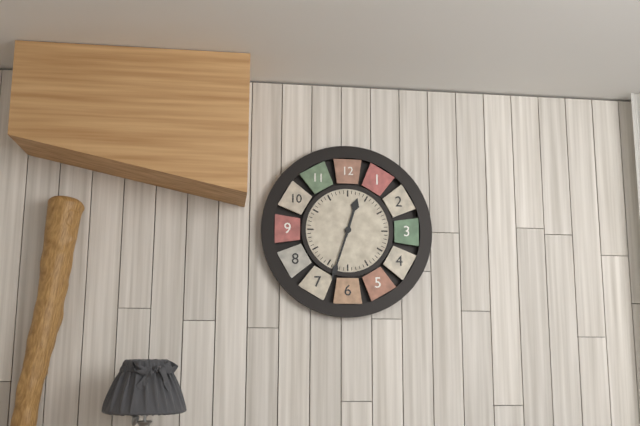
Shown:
12h33
